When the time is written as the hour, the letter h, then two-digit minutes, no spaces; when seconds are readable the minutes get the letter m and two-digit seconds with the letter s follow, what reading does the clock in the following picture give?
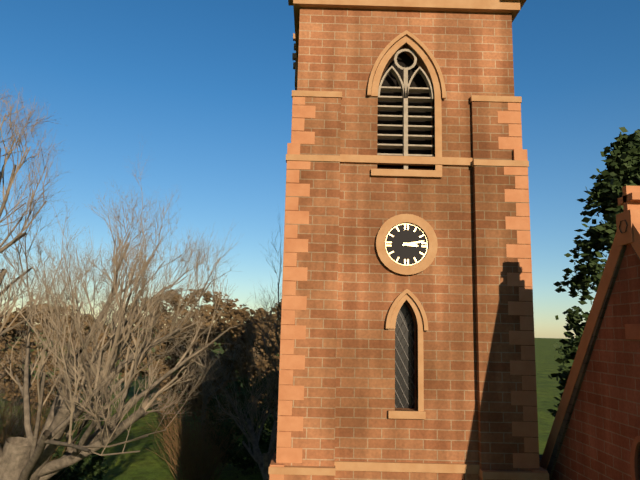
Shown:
3h13
